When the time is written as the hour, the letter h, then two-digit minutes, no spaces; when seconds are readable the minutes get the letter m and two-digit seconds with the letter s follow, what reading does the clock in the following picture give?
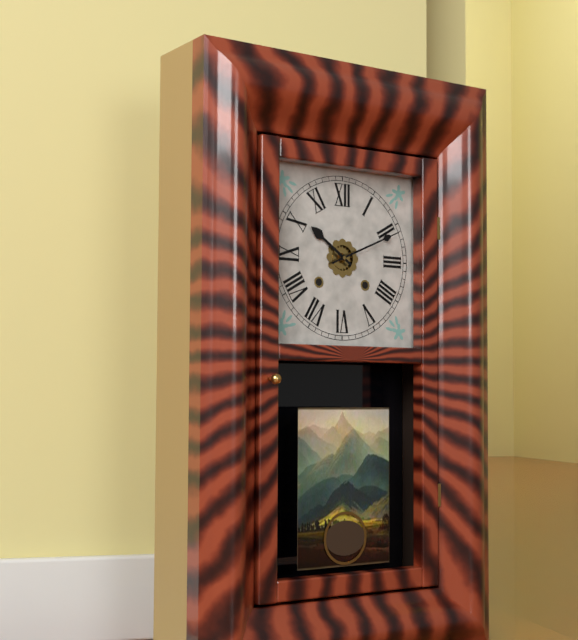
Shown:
10h11
